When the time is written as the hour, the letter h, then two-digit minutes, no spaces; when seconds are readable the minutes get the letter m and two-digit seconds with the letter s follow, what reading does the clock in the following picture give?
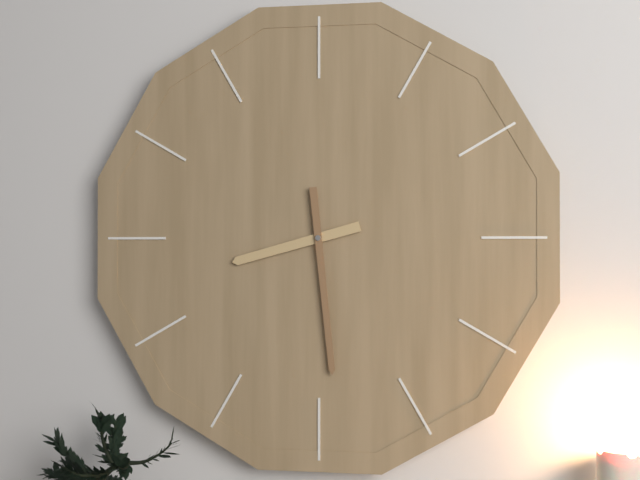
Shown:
8h29
